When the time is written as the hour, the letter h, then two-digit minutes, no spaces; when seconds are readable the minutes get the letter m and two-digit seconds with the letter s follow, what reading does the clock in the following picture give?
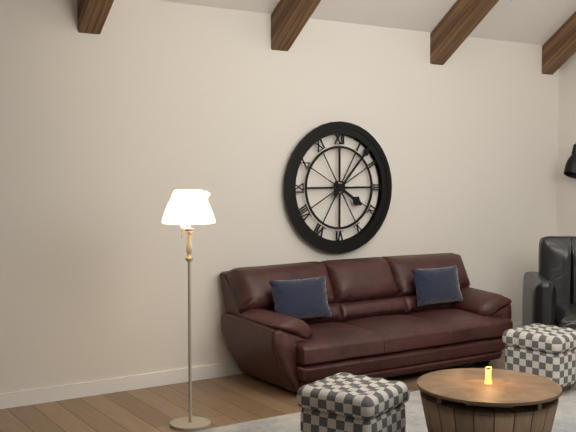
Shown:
4h07
